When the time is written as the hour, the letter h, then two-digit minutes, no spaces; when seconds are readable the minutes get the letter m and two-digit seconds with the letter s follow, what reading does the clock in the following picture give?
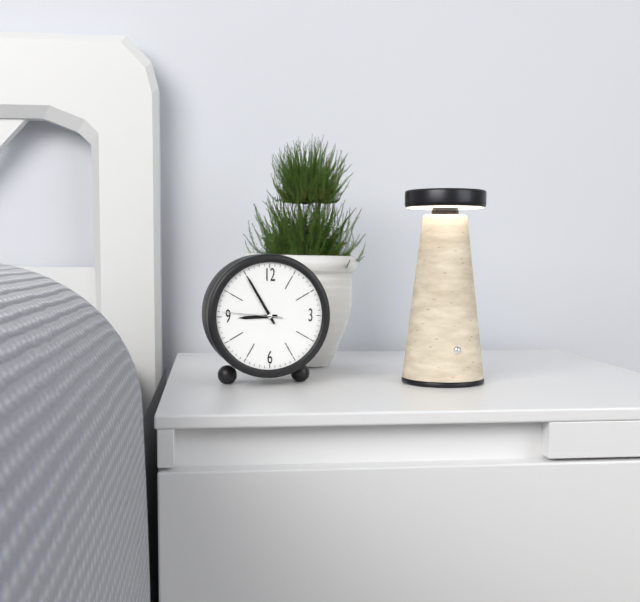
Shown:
8h55m46s
